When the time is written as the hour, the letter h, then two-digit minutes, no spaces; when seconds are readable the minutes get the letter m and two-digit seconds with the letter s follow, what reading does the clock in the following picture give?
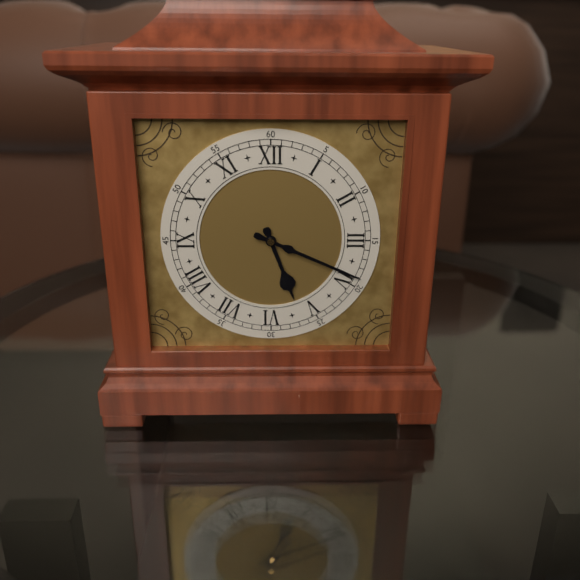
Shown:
5h19
